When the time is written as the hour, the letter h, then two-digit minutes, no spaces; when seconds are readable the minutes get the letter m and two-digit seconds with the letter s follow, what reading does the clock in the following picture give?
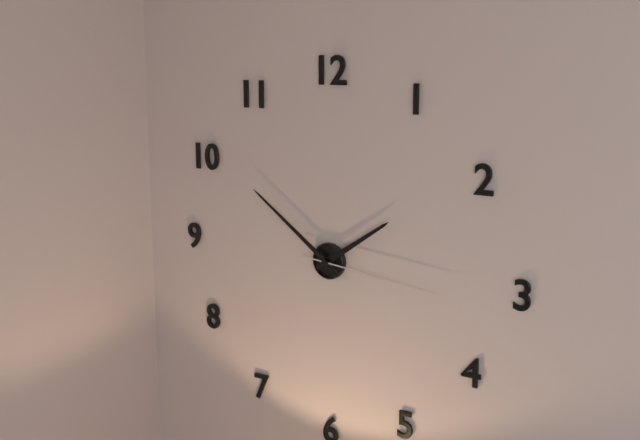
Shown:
1h51m16s
